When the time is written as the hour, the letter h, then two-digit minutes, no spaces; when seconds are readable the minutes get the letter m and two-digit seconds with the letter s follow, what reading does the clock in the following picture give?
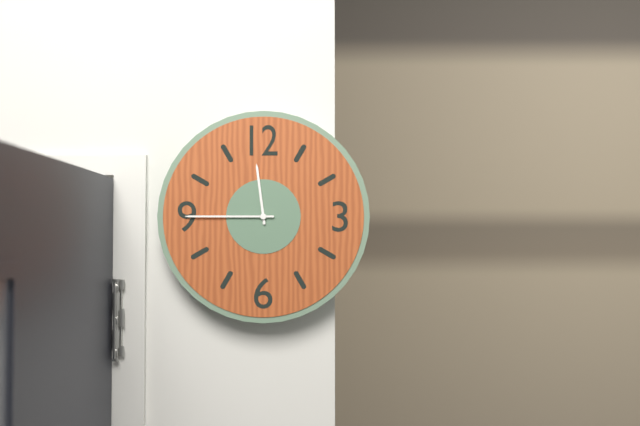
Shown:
11h45
